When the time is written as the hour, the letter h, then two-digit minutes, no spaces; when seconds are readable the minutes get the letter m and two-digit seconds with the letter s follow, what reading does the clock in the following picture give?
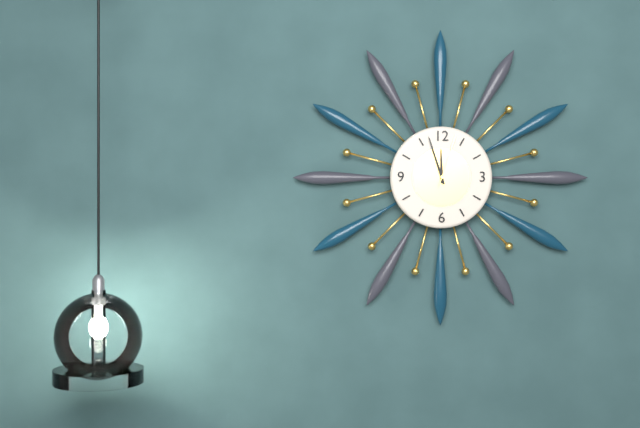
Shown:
11h57m03s
